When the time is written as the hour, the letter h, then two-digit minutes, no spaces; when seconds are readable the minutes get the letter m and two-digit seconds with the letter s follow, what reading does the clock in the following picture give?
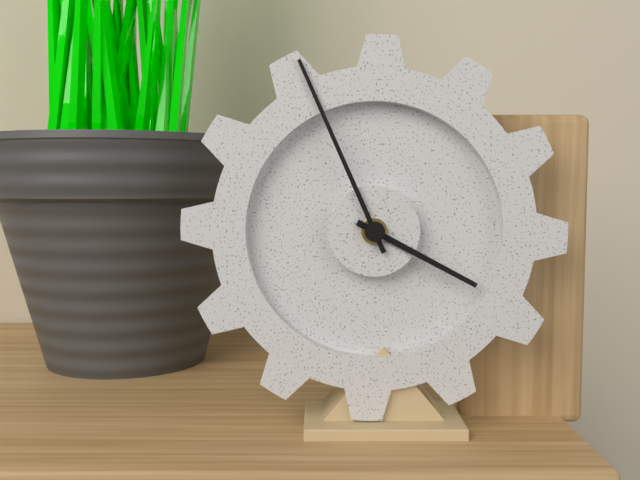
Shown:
3h56
